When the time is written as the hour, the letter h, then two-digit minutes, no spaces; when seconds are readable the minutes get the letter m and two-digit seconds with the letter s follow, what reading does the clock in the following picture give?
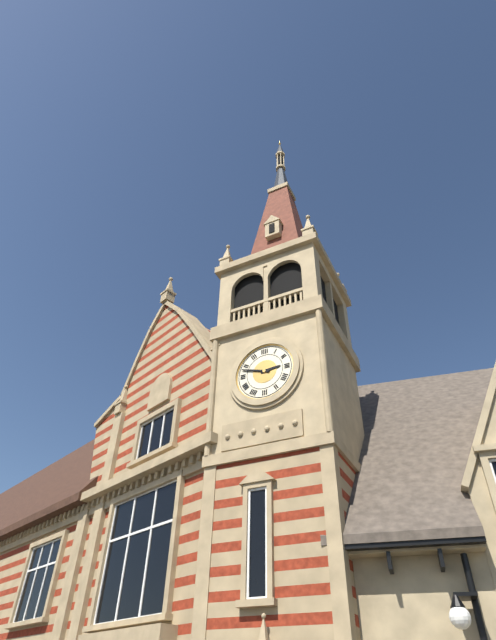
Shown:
2h48
